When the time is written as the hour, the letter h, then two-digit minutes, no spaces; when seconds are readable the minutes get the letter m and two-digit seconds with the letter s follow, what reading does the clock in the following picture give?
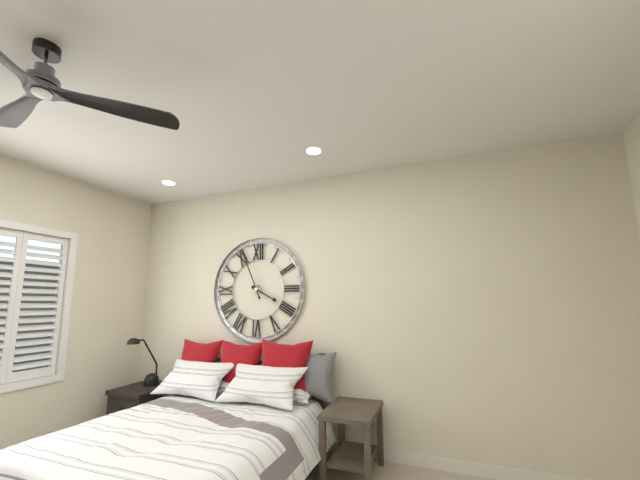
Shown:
3h56
